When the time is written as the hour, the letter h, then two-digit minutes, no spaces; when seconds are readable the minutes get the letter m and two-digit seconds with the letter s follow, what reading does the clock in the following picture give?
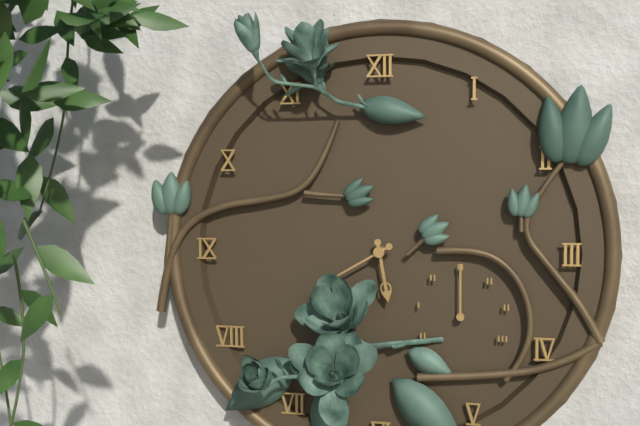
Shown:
5h40
